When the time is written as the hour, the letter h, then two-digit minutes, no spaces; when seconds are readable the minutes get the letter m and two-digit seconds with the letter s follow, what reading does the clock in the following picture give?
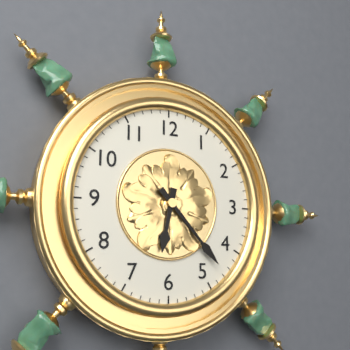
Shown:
6h23
